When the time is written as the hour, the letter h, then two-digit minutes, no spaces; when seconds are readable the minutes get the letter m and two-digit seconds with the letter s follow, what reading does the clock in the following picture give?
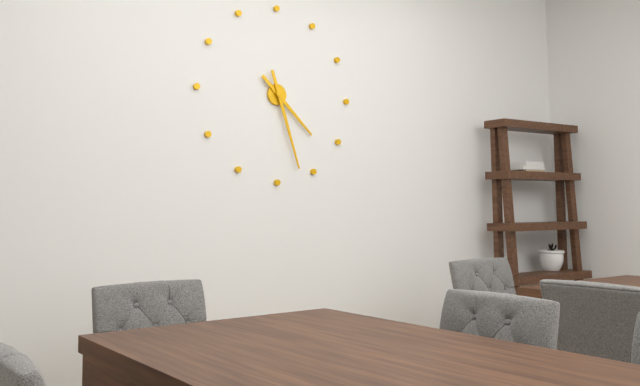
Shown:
4h27
